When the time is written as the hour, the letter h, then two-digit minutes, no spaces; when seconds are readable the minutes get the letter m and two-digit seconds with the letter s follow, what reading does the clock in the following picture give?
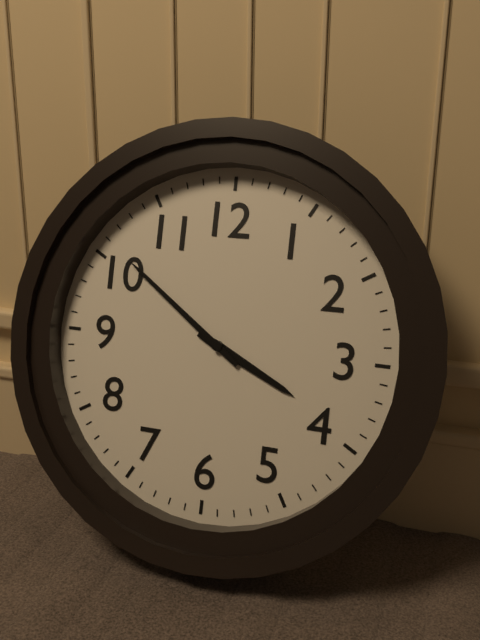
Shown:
3h51
